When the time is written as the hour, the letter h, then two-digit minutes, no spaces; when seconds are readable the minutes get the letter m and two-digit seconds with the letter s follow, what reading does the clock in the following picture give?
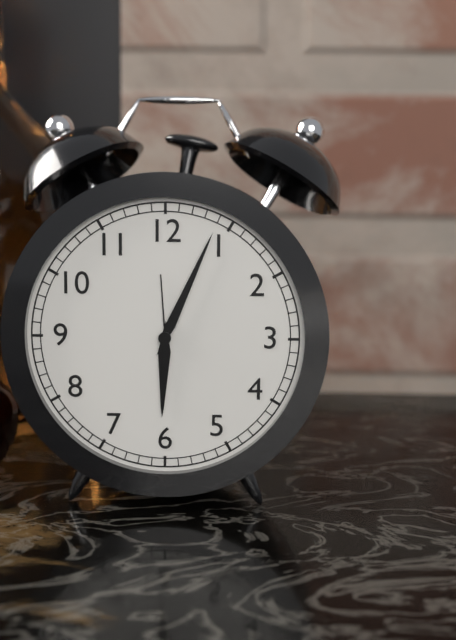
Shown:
6h04
